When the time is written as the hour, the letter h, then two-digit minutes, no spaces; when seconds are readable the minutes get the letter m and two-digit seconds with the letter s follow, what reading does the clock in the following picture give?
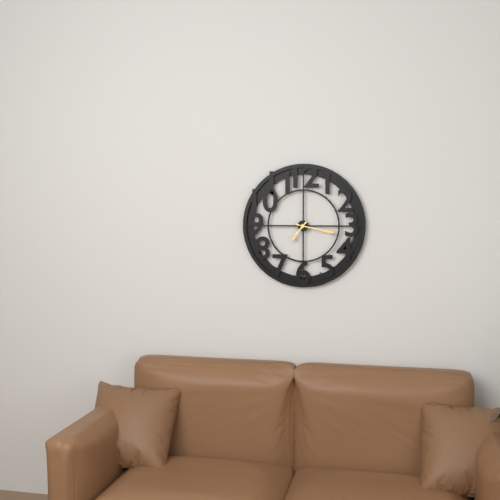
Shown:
7h17
